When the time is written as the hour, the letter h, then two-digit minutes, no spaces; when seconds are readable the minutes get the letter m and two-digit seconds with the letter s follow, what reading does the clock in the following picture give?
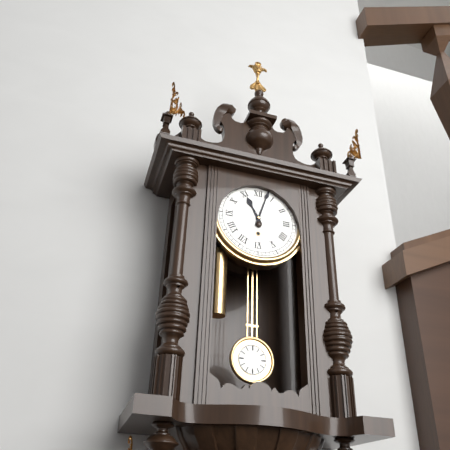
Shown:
11h03
